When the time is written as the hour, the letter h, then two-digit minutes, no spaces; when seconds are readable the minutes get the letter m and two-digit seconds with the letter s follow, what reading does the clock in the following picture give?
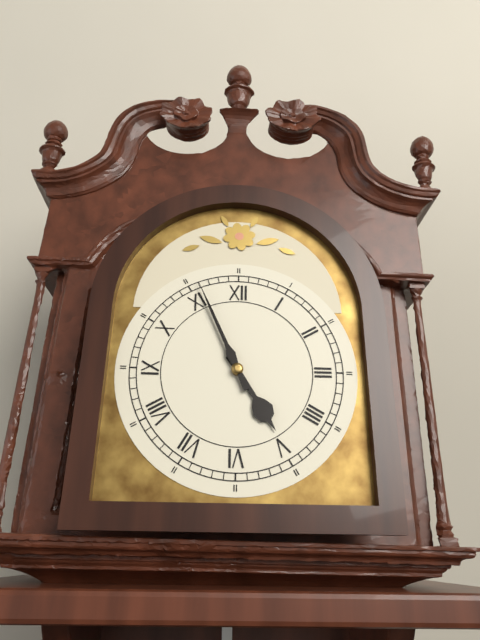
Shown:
4h56
